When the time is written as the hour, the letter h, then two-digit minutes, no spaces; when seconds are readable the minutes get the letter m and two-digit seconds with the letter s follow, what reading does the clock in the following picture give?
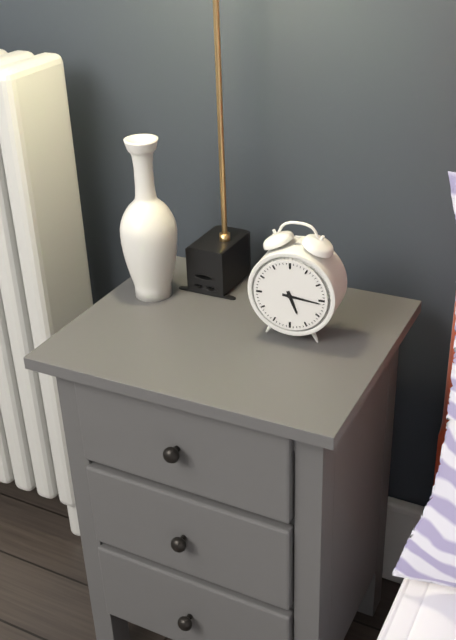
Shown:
5h16
